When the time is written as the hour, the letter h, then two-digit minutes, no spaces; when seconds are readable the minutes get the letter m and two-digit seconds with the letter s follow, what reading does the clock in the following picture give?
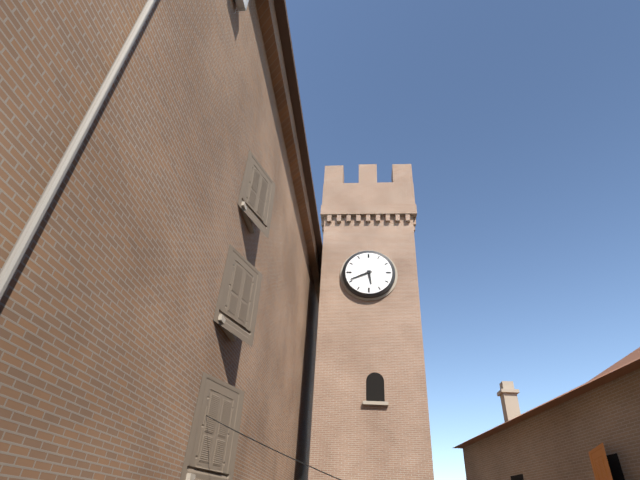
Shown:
5h41
